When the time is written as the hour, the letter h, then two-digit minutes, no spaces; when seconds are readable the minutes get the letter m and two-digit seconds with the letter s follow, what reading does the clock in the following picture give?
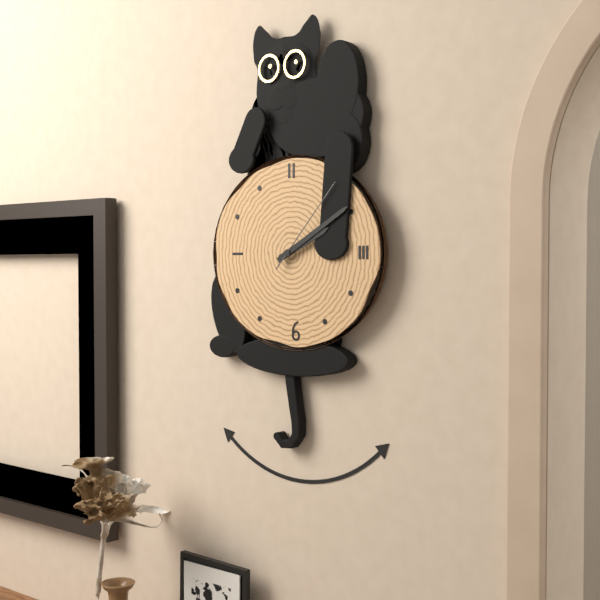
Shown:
2h10m07s
